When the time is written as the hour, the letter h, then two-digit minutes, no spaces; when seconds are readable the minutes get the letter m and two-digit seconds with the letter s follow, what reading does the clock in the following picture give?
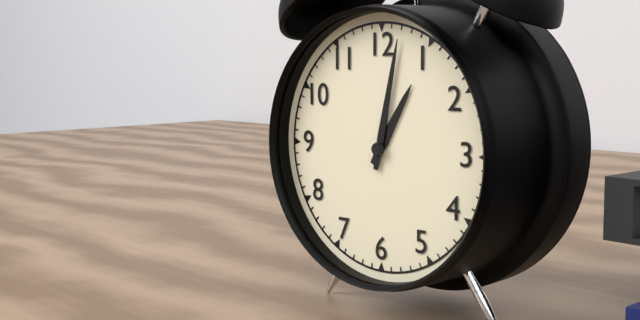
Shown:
1h02
